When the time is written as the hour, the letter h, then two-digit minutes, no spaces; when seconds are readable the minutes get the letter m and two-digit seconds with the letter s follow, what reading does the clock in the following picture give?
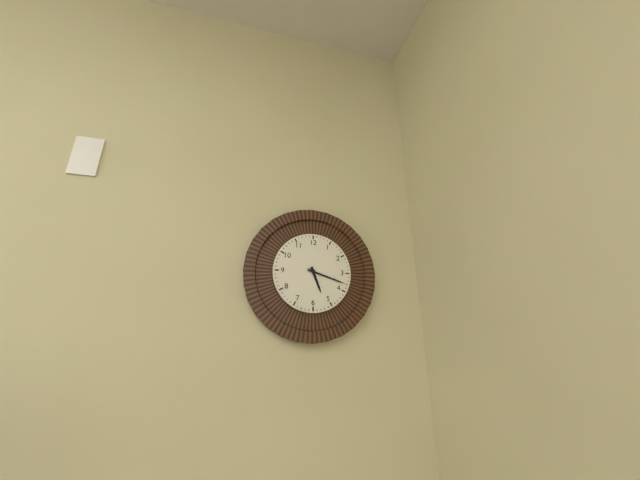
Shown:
5h18
